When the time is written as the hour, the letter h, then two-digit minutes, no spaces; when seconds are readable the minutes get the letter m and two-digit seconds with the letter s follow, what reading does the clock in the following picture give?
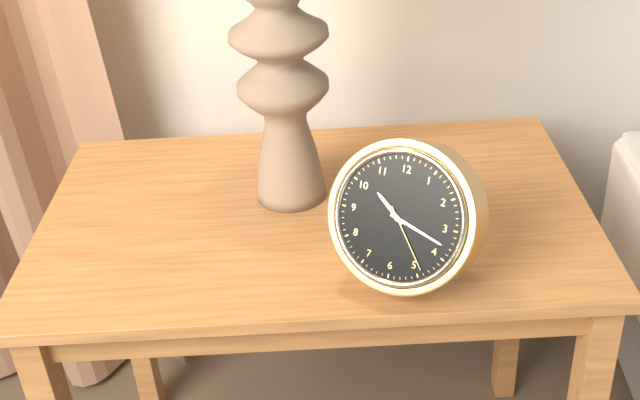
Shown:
10h18m24s
